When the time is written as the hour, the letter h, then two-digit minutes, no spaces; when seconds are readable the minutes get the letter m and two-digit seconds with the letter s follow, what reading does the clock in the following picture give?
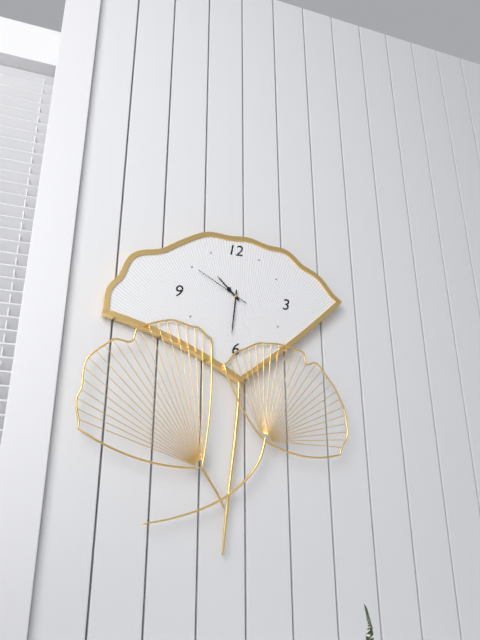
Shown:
10h31m50s
